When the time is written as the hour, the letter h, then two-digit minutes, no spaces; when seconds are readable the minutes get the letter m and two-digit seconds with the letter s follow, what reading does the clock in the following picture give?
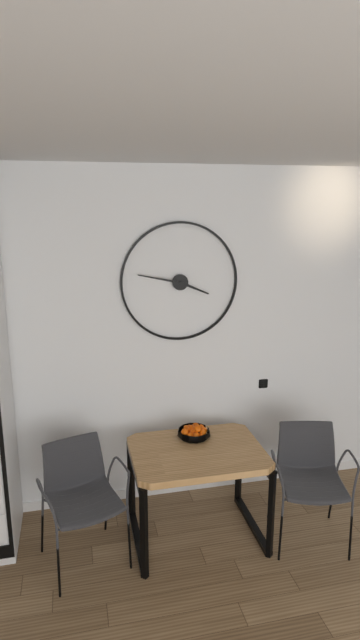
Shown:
3h47
